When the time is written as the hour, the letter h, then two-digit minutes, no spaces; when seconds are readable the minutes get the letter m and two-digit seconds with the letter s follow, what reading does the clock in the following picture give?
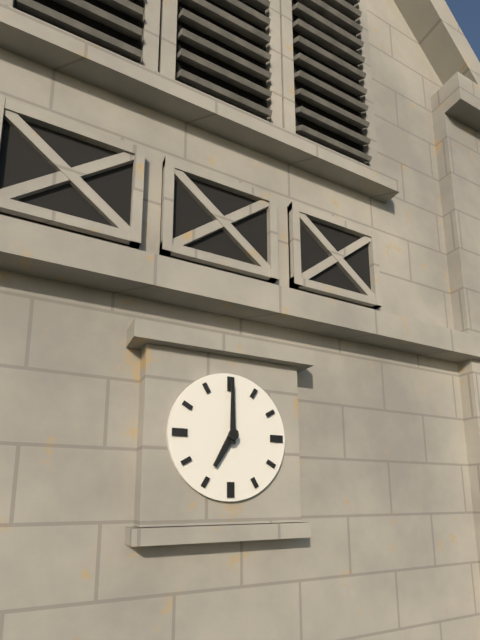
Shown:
7h00
